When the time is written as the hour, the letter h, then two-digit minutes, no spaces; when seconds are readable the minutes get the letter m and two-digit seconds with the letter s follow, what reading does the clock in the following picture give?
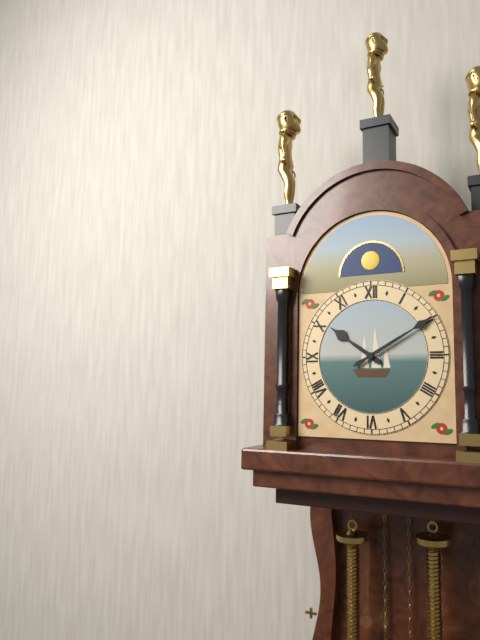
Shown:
10h10
